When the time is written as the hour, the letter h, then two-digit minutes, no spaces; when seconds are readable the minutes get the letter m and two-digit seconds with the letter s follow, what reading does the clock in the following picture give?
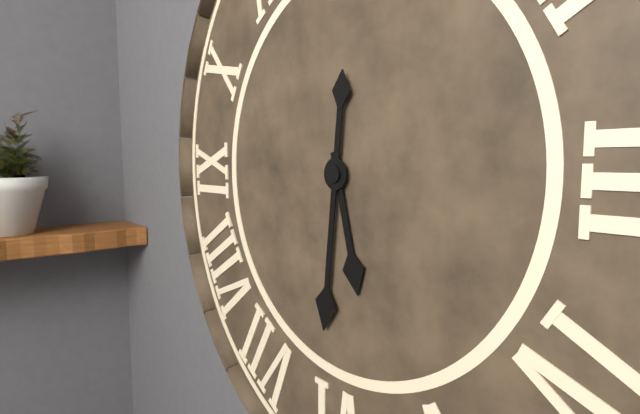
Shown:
5h31
